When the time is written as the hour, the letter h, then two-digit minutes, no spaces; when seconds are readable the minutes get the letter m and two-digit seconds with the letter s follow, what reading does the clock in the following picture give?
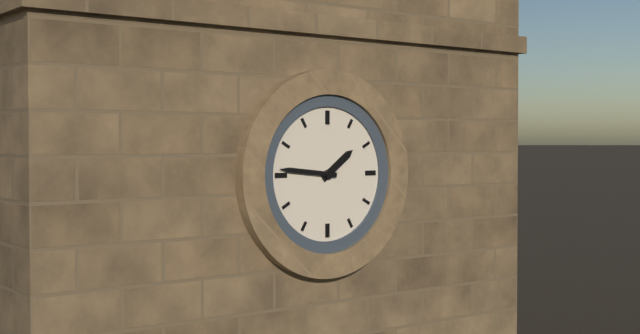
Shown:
1h46
